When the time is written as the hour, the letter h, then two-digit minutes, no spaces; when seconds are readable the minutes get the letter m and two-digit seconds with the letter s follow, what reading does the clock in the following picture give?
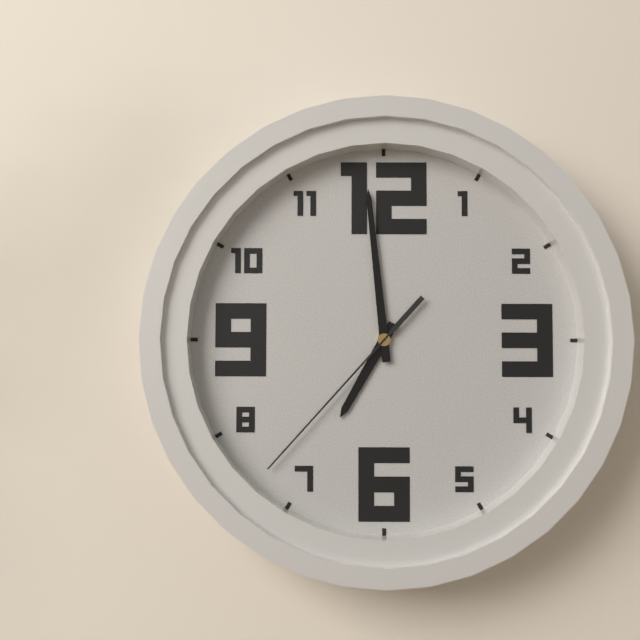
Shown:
6h59m37s
